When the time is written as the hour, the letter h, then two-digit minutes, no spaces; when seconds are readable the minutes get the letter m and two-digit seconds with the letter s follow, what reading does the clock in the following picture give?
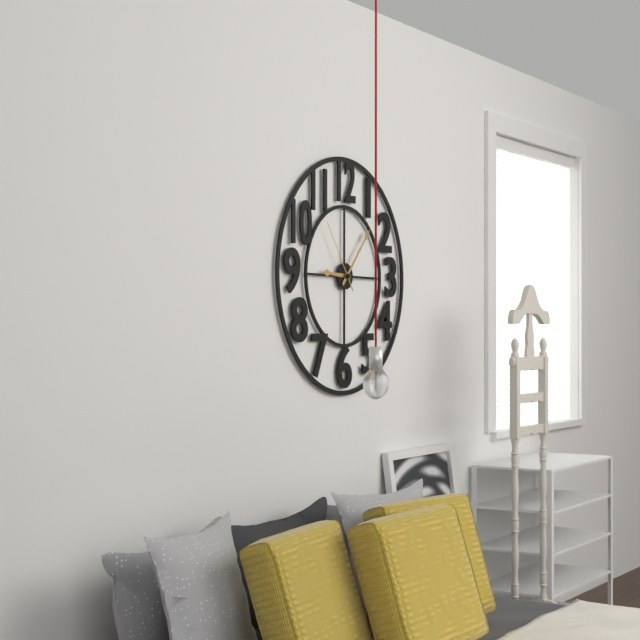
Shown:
9h07m54s
